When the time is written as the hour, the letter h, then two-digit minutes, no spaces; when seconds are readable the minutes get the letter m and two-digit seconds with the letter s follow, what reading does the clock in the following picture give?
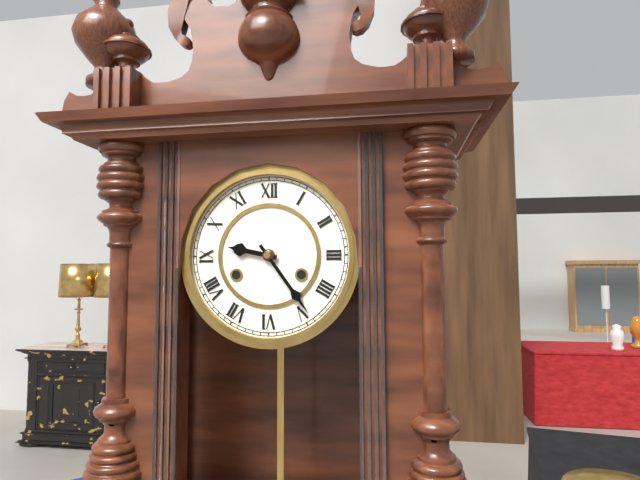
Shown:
9h24
